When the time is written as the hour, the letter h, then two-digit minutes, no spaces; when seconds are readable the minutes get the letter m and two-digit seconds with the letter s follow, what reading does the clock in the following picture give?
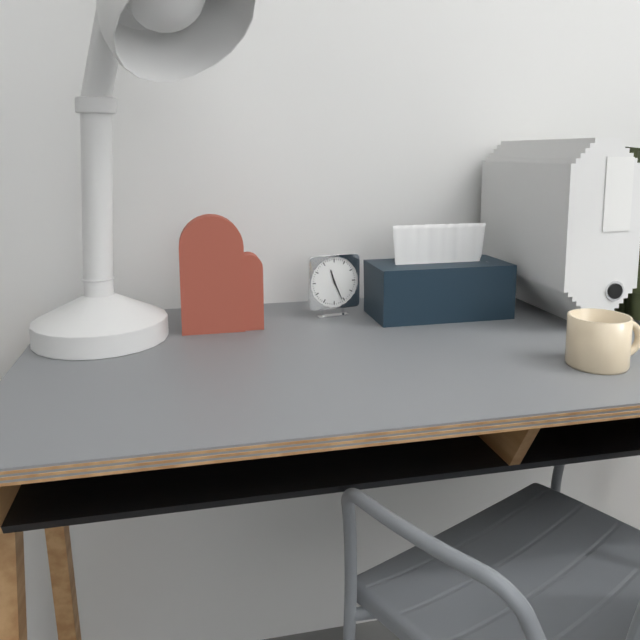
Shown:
11h26
